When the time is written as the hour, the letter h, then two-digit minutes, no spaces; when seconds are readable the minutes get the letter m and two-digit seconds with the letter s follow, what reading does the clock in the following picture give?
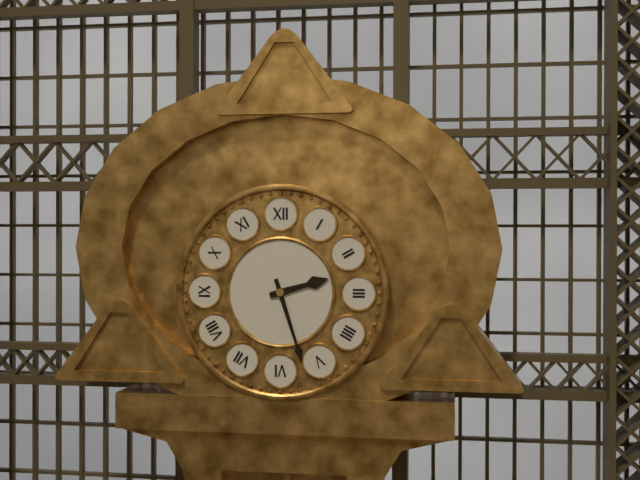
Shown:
2h27
